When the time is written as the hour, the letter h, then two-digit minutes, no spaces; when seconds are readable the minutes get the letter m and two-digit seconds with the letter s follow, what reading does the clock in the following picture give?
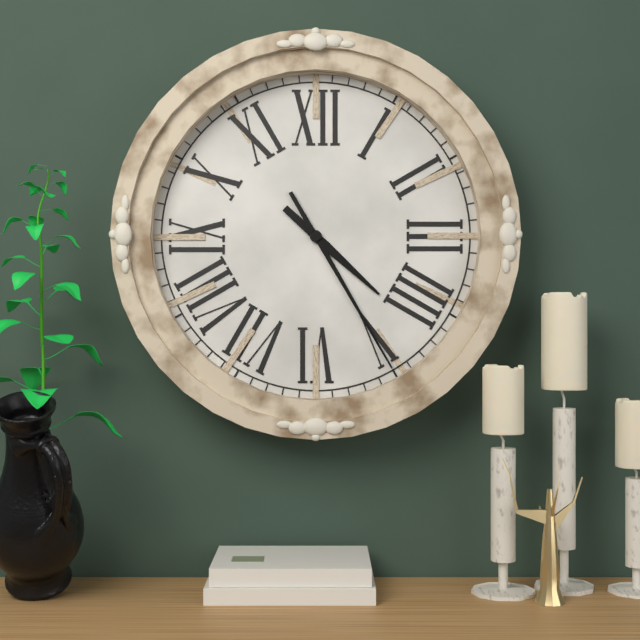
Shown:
4h25
